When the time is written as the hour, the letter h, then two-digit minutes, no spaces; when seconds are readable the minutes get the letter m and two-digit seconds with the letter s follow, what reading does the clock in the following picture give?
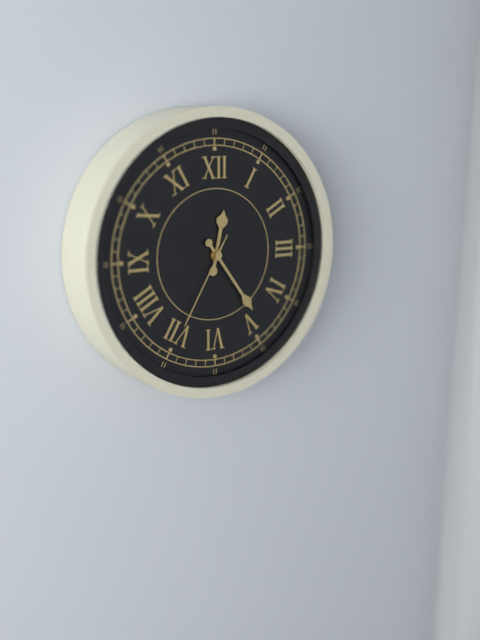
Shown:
12h24m35s
